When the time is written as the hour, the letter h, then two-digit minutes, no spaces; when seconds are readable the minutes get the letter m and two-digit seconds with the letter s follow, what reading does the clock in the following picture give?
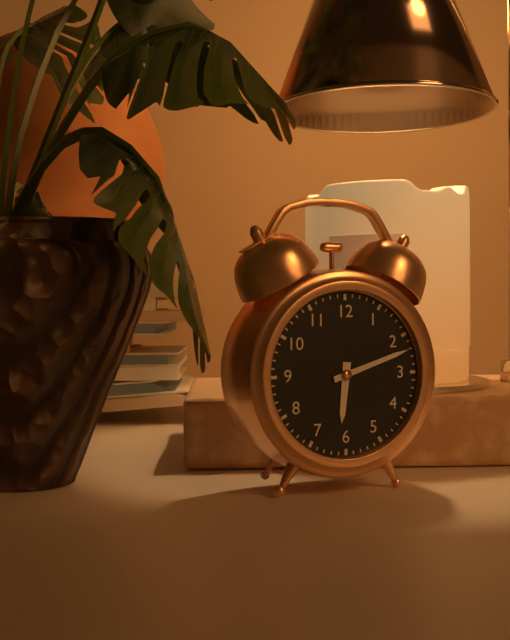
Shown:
6h12
